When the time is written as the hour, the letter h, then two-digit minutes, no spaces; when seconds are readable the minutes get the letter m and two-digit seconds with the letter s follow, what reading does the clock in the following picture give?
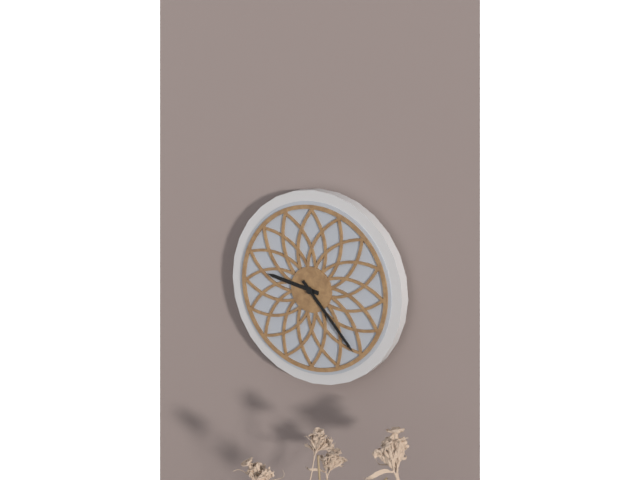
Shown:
9h23
